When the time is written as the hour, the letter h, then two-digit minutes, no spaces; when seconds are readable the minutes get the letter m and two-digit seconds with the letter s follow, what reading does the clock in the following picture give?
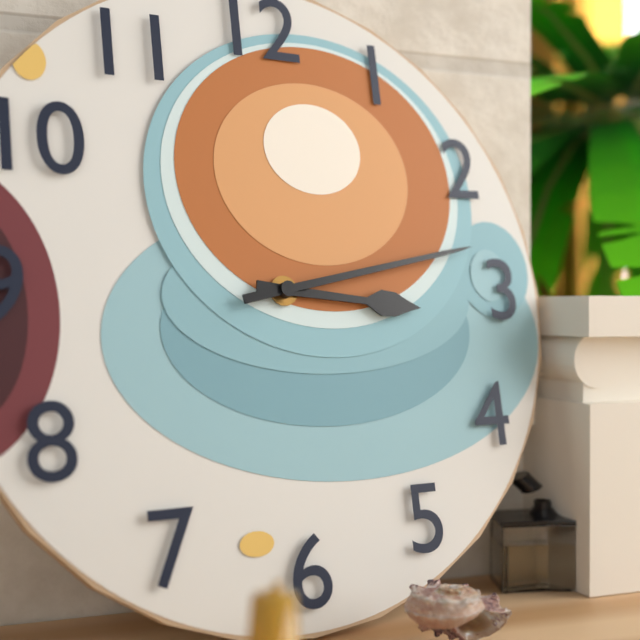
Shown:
3h13
